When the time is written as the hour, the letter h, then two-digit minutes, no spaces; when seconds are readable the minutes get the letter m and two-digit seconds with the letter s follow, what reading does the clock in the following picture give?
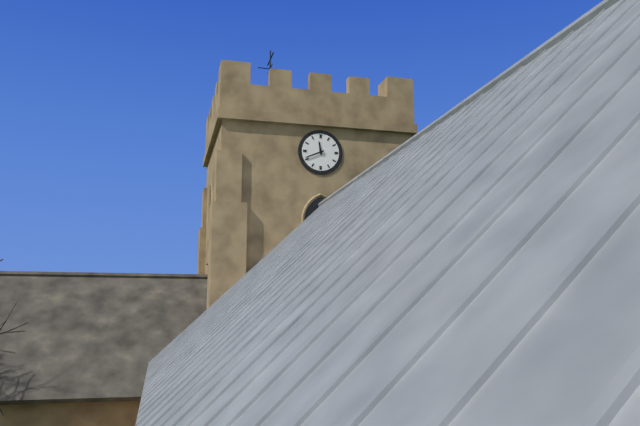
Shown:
11h41
